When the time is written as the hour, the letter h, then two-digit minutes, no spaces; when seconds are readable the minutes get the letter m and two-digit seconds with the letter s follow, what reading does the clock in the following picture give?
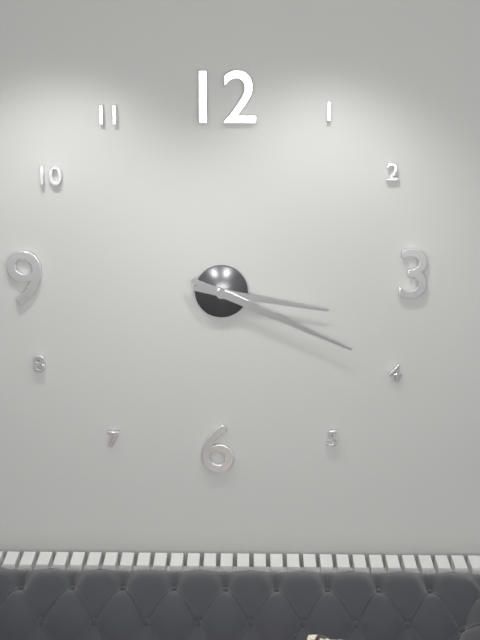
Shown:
3h19
